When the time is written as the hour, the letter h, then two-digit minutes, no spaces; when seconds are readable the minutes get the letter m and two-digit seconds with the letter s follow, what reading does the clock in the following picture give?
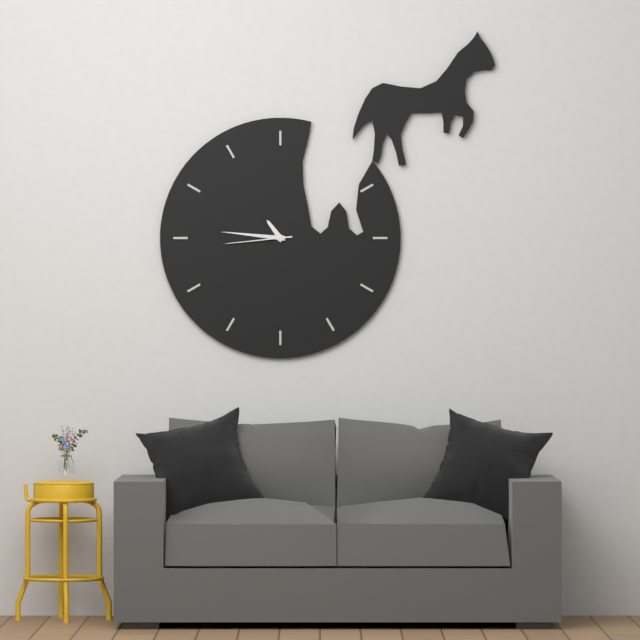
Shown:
10h46m44s
